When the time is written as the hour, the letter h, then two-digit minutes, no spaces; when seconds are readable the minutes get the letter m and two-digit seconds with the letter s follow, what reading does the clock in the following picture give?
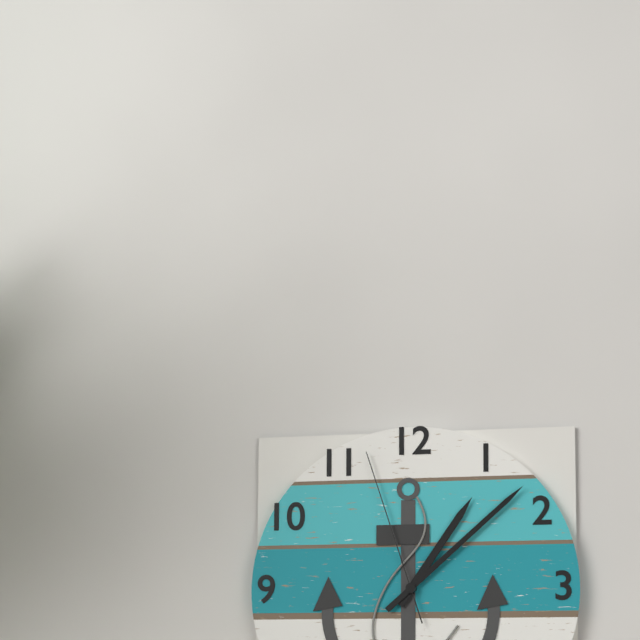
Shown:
1h08m57s
